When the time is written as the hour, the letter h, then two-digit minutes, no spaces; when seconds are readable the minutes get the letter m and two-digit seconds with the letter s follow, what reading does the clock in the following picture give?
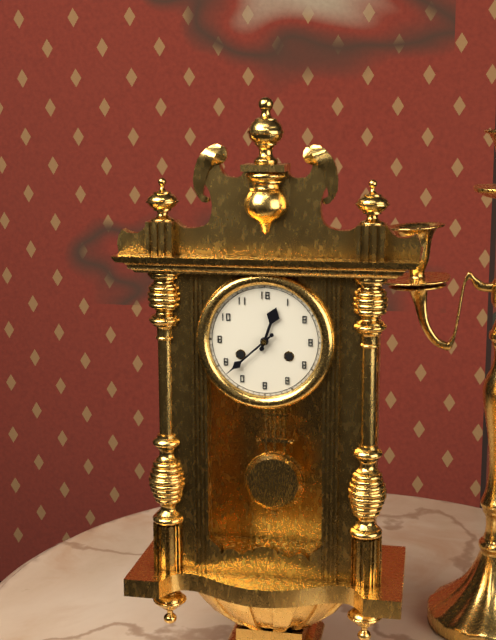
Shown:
12h38
